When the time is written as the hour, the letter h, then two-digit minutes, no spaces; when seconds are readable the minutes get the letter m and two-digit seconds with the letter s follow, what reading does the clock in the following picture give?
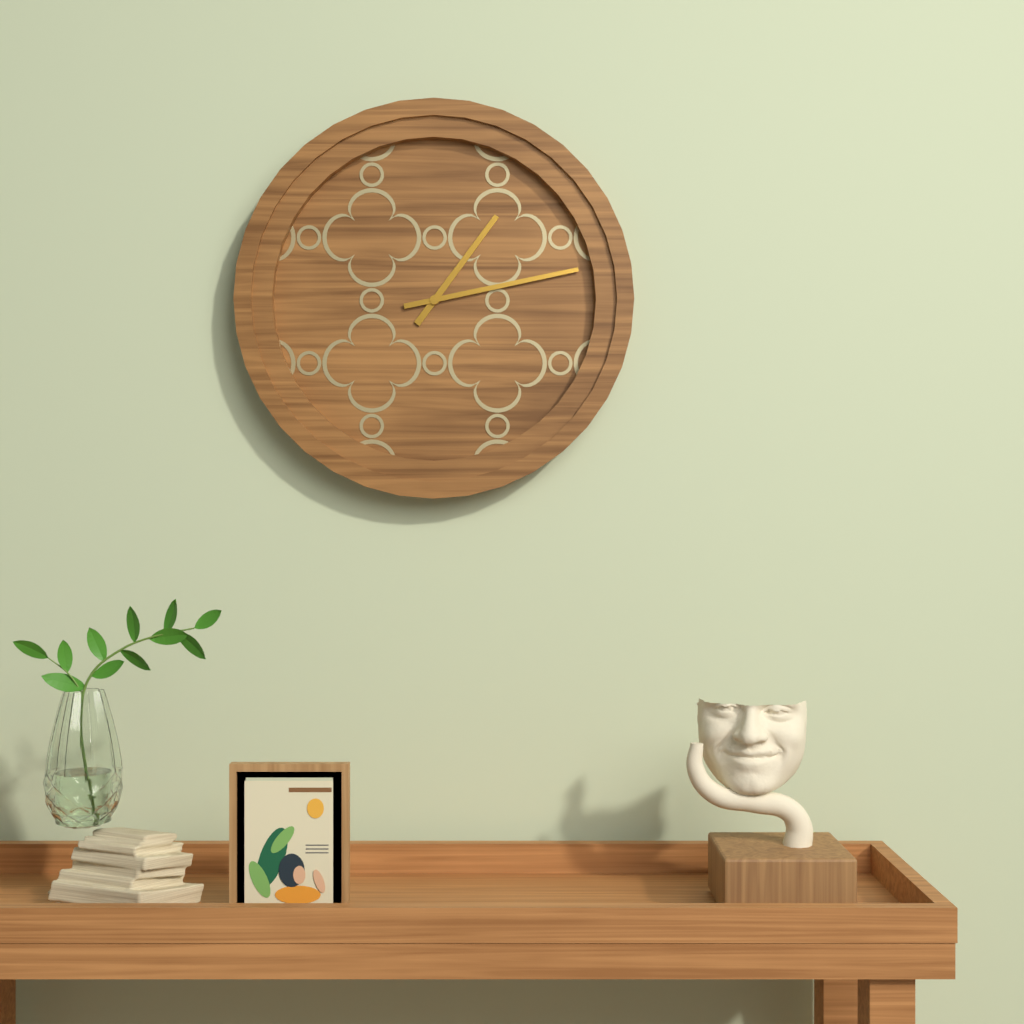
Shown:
1h13
